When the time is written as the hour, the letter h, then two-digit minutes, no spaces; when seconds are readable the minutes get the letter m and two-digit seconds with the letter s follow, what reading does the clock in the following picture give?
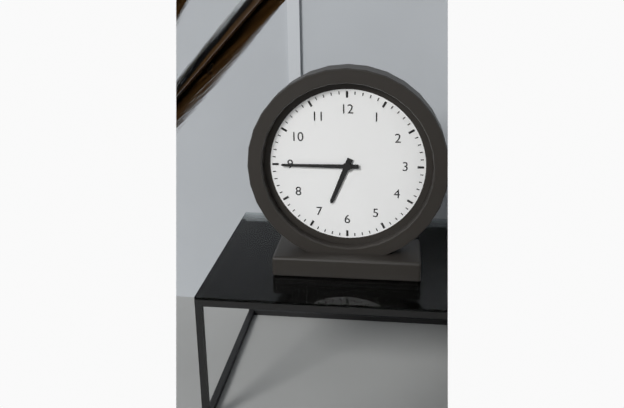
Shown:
6h45
